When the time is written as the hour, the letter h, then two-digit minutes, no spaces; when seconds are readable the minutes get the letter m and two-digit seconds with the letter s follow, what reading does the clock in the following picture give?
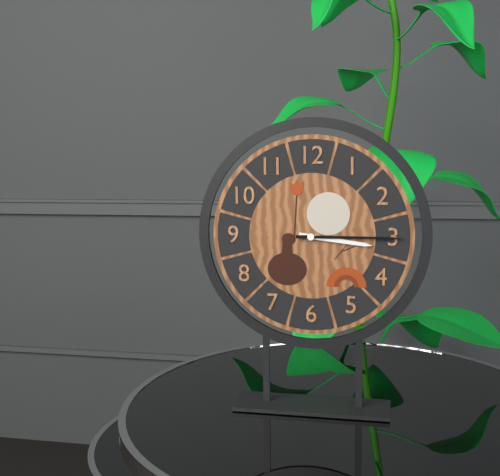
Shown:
3h15
